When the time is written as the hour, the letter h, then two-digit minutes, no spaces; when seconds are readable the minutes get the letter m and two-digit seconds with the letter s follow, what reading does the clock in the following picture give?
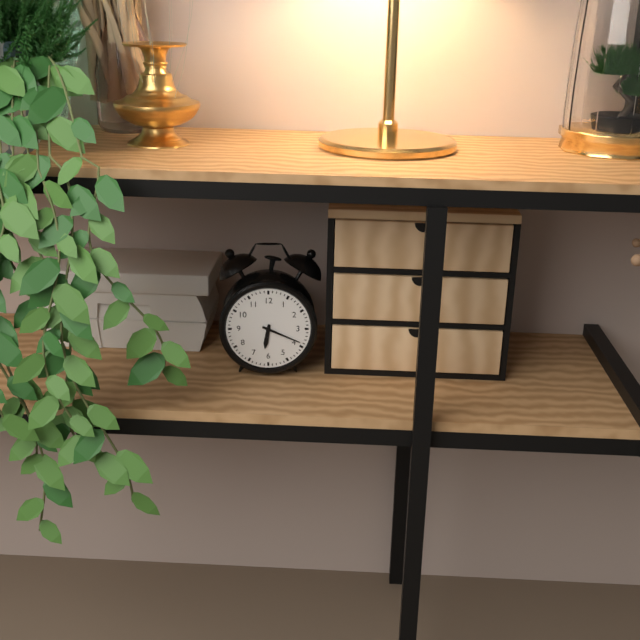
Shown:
6h19
